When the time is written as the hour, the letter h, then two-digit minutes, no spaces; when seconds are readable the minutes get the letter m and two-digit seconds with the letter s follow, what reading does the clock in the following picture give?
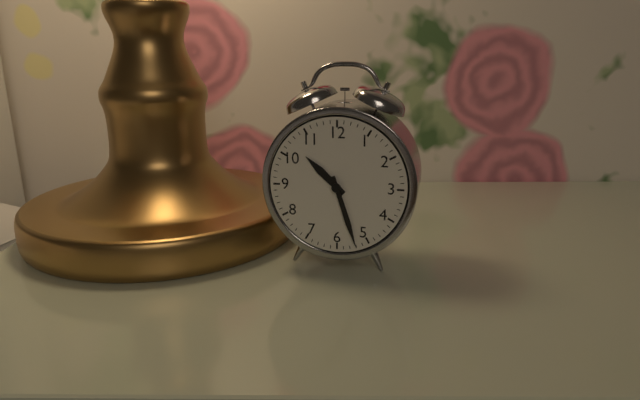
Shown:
10h27
